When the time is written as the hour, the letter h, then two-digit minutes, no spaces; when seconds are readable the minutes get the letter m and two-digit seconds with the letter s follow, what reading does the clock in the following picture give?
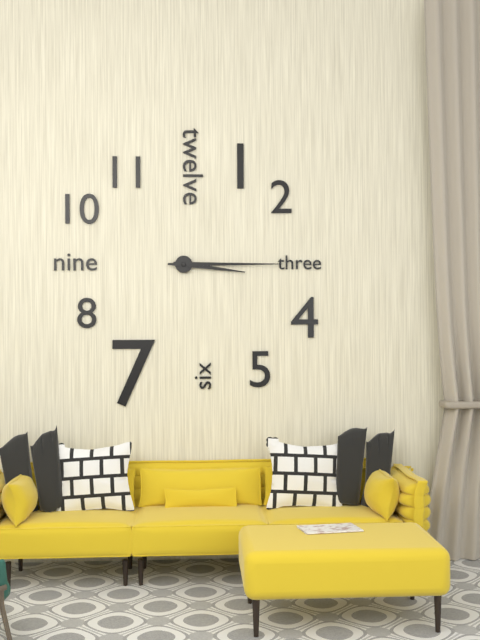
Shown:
3h15
